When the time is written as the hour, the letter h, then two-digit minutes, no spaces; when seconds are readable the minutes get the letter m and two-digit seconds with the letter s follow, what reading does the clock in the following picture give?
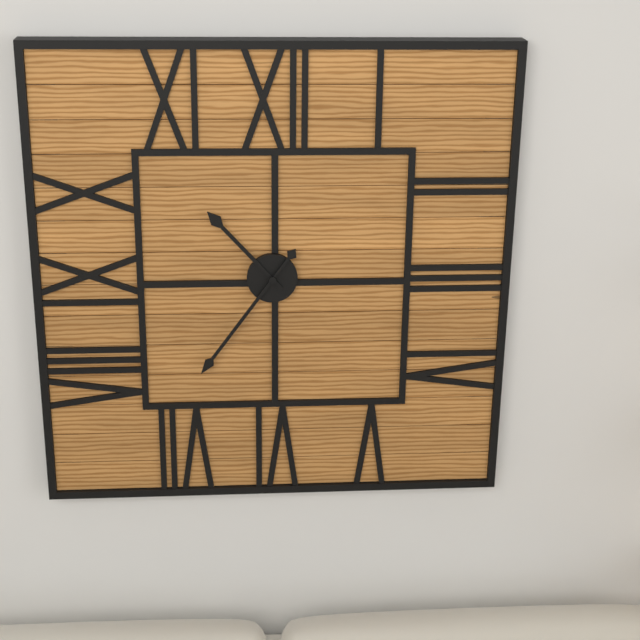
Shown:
10h36
